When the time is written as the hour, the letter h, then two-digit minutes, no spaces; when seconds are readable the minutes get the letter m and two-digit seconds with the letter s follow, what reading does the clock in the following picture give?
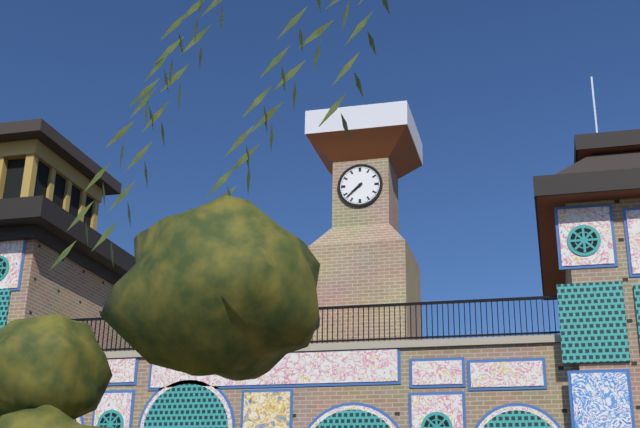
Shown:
7h38
